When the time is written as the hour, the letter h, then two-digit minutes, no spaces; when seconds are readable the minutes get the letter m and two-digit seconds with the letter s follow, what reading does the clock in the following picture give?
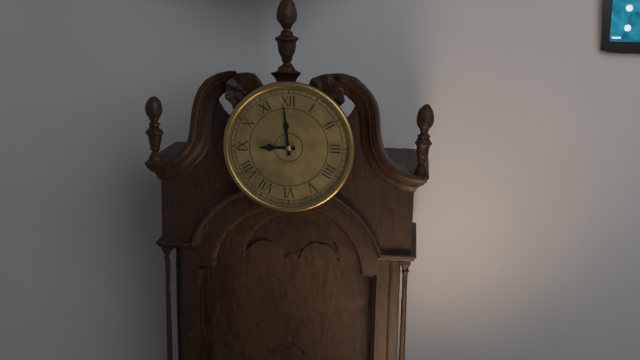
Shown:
8h59
